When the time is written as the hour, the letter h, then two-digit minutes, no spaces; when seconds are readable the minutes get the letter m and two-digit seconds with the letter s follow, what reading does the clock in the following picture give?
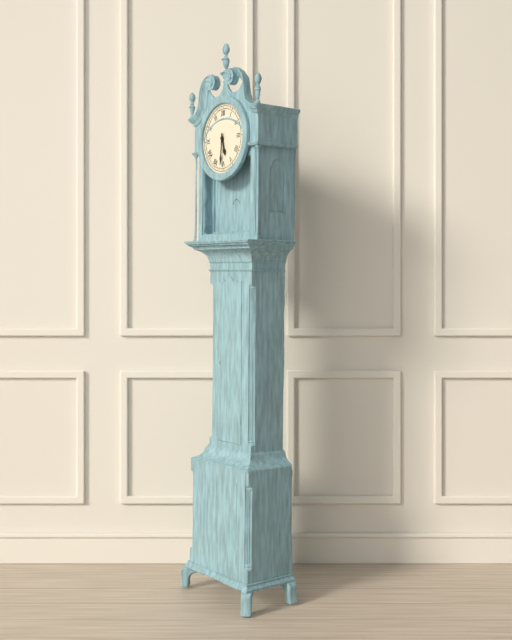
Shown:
5h31
